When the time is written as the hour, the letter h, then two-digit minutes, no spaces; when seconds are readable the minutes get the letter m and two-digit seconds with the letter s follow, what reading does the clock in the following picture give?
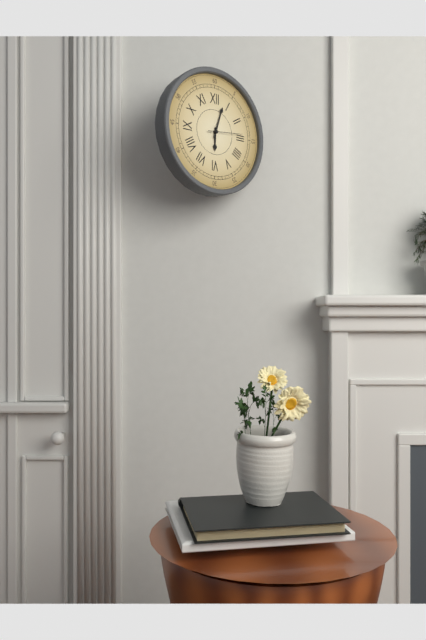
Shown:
6h03
